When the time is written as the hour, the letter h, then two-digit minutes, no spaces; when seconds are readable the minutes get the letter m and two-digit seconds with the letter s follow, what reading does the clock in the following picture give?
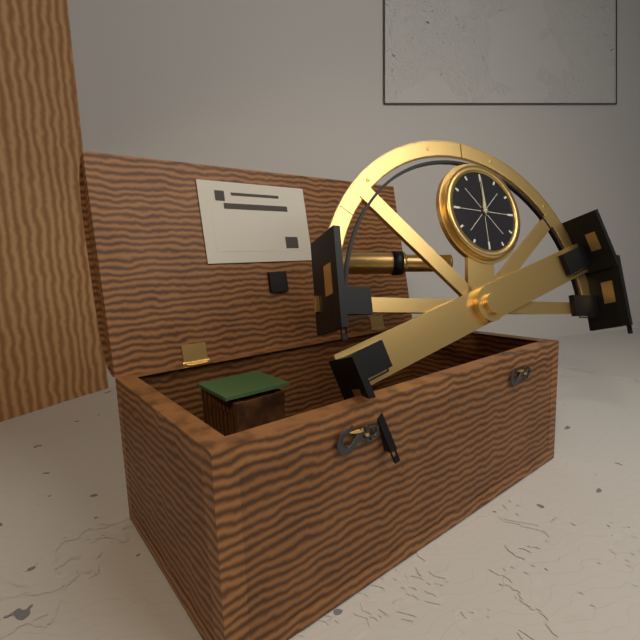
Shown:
12h00
